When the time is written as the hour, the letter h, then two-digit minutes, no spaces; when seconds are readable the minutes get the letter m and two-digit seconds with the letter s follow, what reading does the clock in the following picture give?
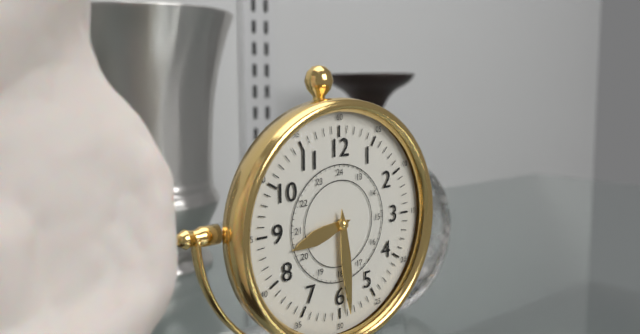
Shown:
8h29
